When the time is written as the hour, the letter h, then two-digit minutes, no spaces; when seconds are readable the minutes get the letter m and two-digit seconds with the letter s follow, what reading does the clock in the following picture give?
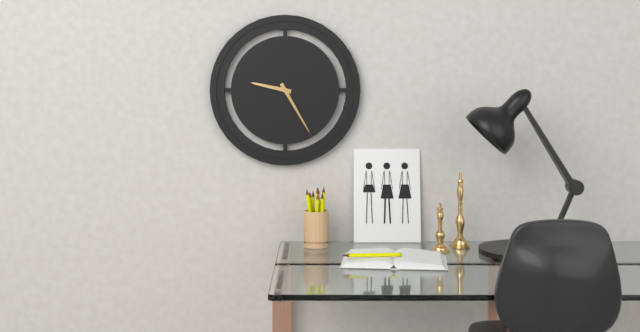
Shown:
9h25
